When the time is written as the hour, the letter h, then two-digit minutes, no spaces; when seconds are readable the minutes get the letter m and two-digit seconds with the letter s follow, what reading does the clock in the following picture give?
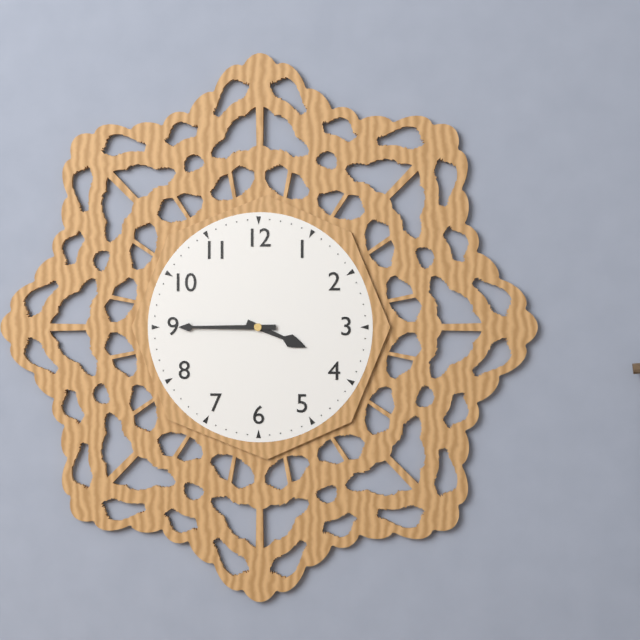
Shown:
3h45
